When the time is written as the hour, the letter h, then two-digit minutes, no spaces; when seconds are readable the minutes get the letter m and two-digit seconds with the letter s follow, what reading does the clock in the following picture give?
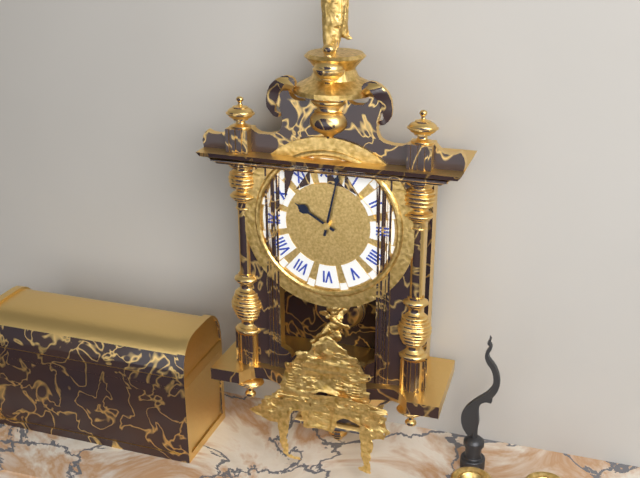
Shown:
10h02
